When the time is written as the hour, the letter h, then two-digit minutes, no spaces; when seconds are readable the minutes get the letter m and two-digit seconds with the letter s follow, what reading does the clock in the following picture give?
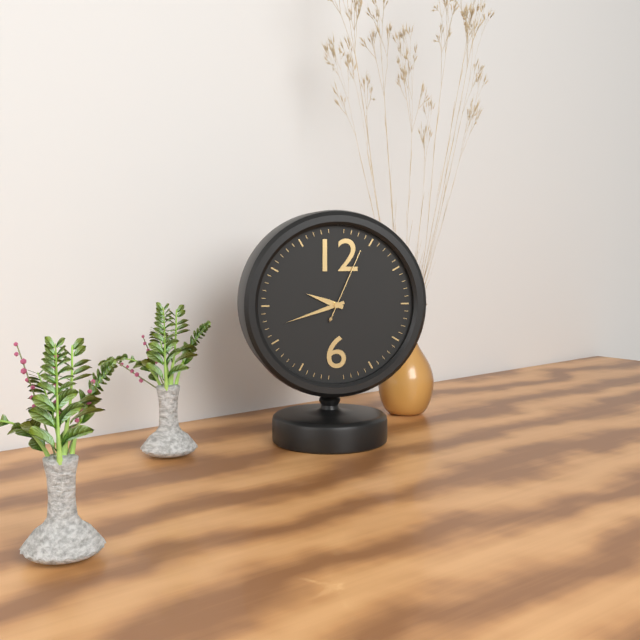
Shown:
9h42m04s
